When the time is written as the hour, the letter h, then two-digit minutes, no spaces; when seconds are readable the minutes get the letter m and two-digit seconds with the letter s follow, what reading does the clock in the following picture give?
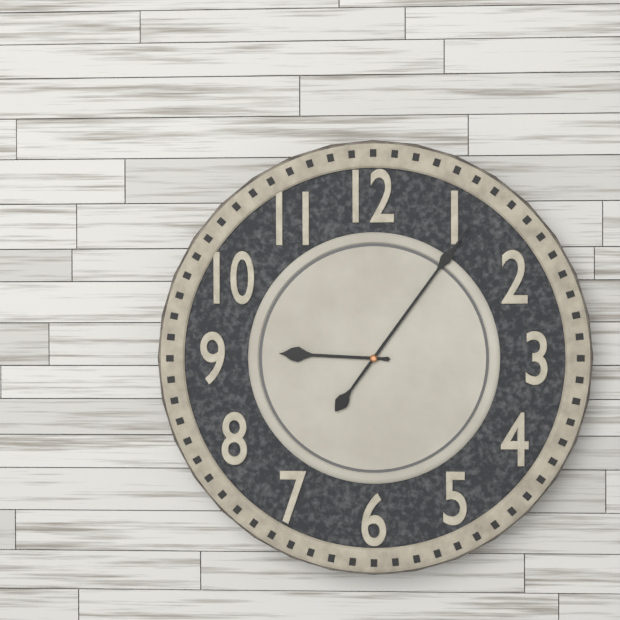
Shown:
9h06
